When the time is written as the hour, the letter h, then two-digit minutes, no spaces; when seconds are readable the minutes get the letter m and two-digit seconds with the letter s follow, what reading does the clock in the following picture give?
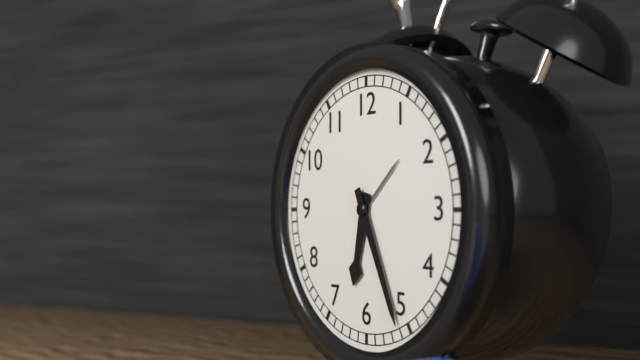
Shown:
6h26
